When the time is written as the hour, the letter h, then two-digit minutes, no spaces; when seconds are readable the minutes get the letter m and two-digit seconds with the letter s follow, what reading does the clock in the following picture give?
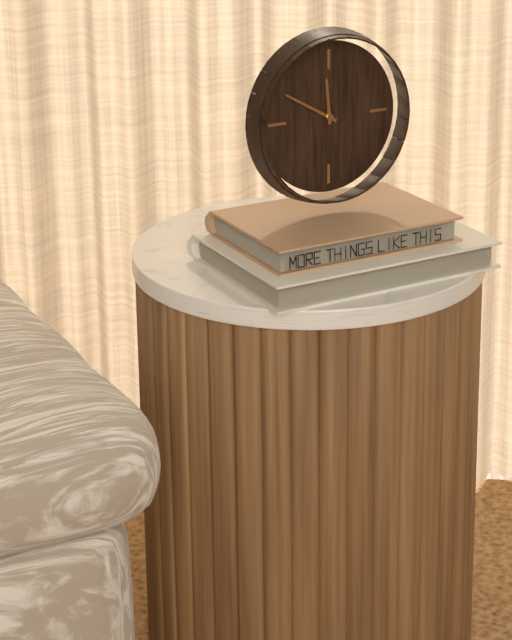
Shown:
11h50
